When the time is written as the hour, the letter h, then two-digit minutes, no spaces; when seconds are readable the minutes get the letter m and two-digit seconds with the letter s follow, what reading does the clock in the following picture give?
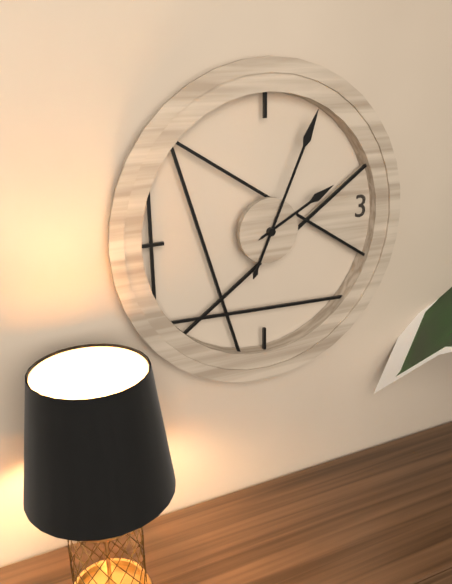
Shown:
2h04
